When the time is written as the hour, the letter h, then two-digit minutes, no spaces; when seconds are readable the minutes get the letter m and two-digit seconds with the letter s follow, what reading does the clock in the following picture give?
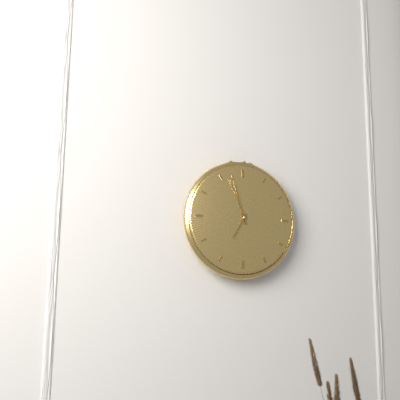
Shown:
6h57
